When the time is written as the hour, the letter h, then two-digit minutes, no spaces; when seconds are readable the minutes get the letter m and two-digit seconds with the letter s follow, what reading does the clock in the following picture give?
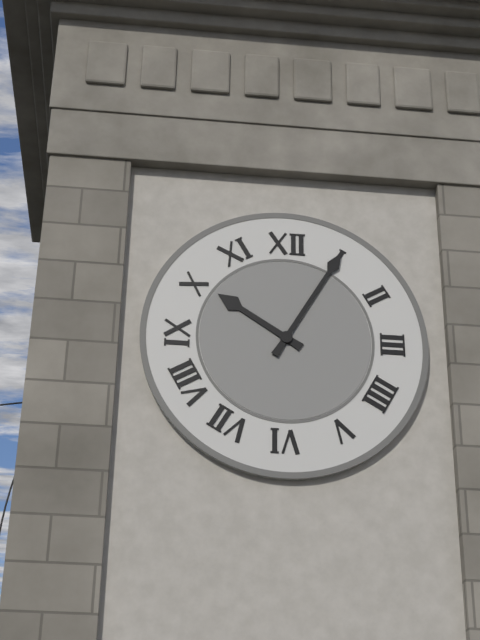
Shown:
10h05
